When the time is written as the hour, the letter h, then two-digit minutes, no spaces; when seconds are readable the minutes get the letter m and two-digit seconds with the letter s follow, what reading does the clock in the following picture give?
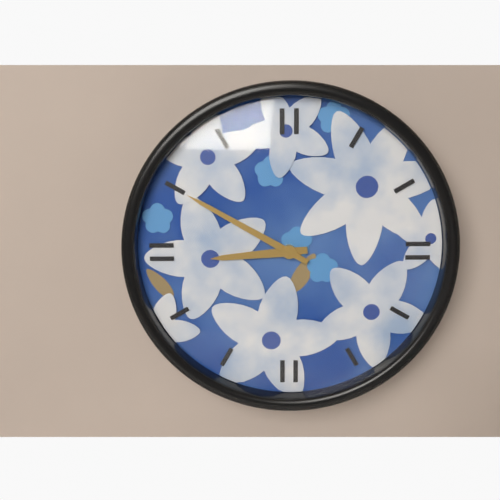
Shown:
8h50
